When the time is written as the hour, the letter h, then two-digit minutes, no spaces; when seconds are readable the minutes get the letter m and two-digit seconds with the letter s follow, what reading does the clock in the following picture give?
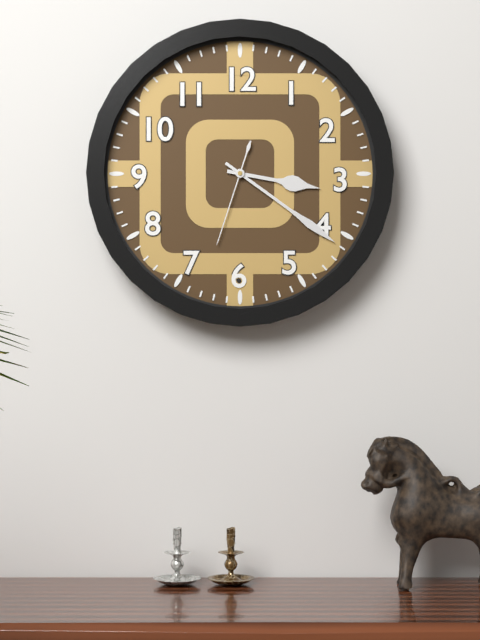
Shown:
3h21m33s
